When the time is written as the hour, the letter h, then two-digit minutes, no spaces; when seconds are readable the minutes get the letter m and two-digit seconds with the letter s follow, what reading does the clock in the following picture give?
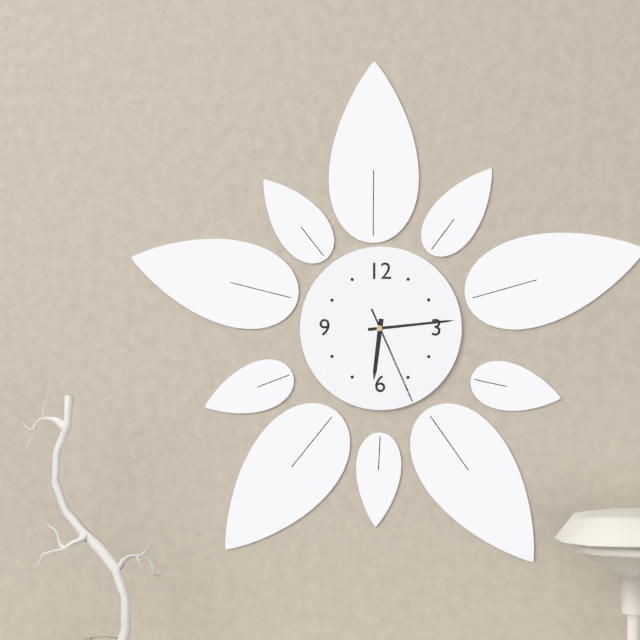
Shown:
6h14m26s
